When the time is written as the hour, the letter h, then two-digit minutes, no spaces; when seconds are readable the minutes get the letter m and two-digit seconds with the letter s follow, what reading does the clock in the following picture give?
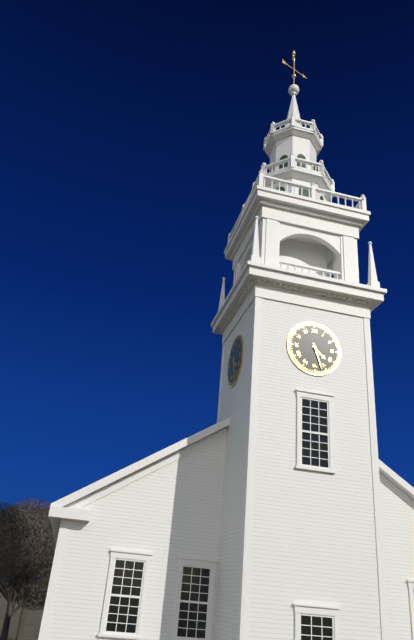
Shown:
4h27
